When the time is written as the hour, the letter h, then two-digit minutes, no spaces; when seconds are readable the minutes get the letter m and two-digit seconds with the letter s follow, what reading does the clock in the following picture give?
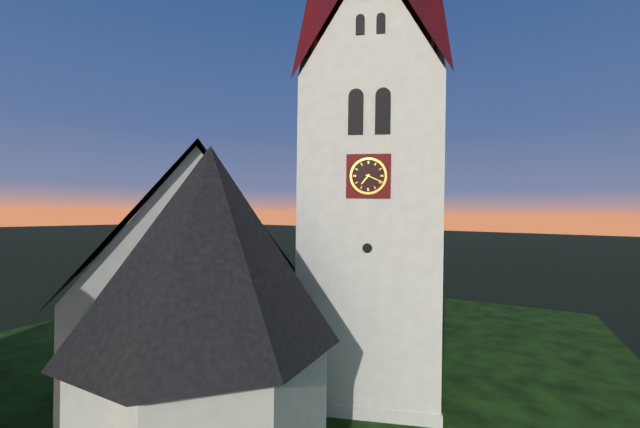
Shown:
7h19
